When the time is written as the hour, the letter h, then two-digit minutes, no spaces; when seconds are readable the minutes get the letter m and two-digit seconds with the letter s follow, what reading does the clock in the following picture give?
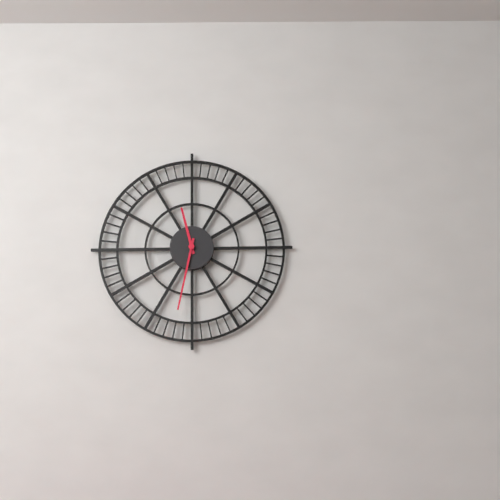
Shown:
11h32
